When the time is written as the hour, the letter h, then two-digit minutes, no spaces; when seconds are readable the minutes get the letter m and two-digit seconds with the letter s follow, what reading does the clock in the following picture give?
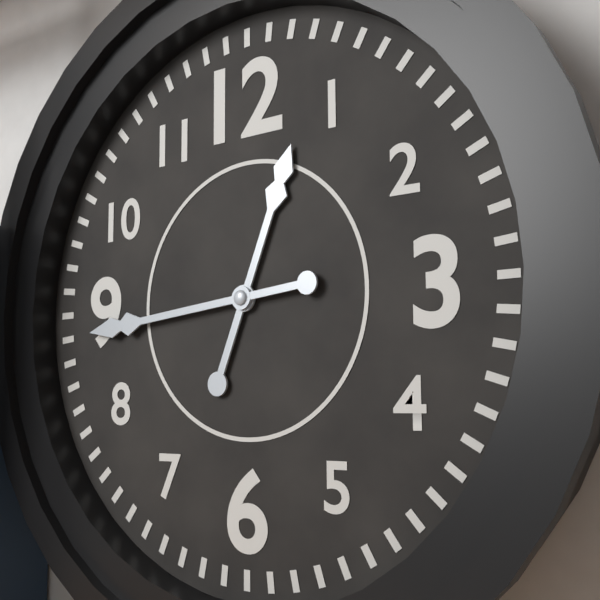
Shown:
12h44
